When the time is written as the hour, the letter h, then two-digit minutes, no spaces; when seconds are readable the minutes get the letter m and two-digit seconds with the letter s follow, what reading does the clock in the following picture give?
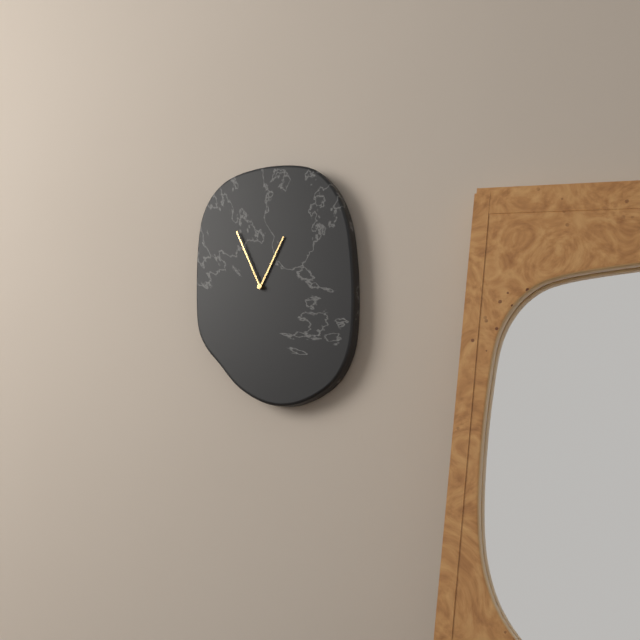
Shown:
12h56
